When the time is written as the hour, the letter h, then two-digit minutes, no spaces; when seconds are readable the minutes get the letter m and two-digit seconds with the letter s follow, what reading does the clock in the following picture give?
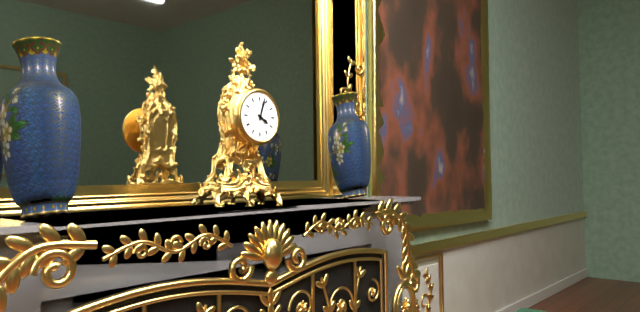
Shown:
4h03
